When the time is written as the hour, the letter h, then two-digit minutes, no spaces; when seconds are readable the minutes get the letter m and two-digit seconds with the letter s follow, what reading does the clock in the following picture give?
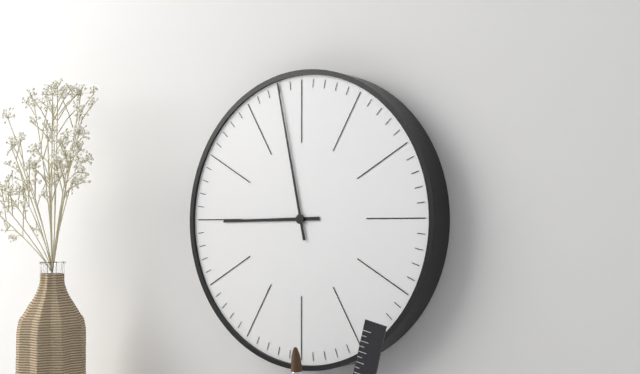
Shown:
8h58
